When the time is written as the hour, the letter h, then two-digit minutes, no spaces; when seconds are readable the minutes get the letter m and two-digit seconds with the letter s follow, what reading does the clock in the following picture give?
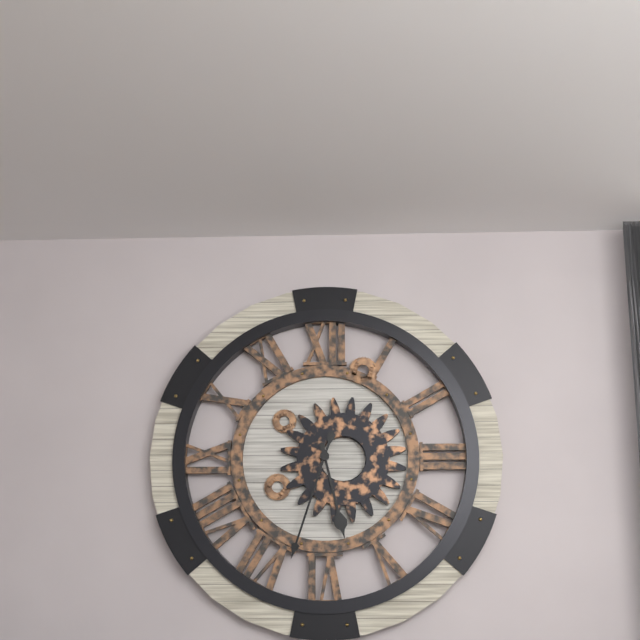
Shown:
5h33
